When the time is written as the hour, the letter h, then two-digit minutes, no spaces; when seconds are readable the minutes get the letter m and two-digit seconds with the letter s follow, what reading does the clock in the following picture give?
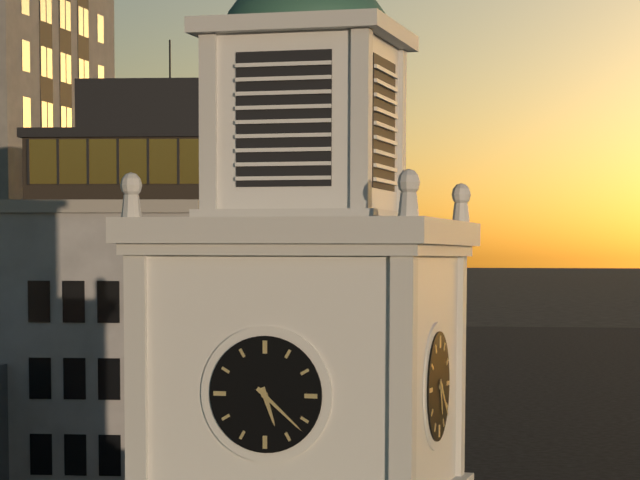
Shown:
5h22
